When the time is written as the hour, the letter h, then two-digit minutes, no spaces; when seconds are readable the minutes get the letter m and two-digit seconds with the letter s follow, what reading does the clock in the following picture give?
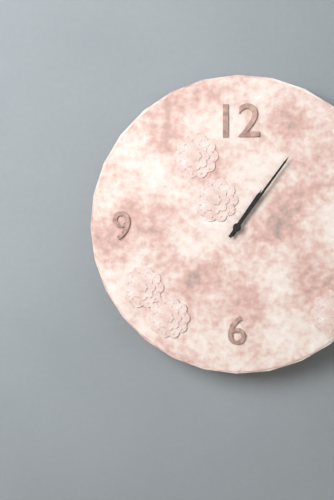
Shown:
1h06
